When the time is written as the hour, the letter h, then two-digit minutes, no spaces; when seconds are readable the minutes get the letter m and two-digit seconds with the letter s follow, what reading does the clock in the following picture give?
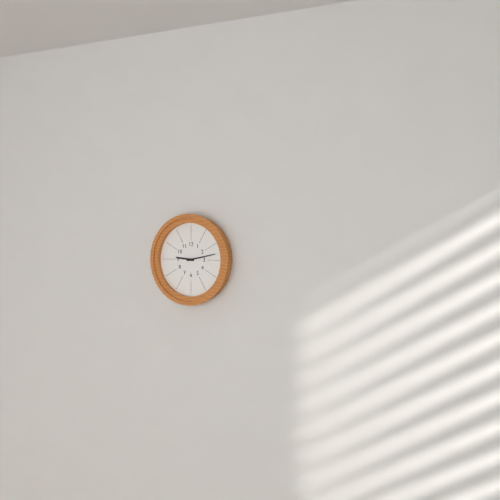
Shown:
9h13
